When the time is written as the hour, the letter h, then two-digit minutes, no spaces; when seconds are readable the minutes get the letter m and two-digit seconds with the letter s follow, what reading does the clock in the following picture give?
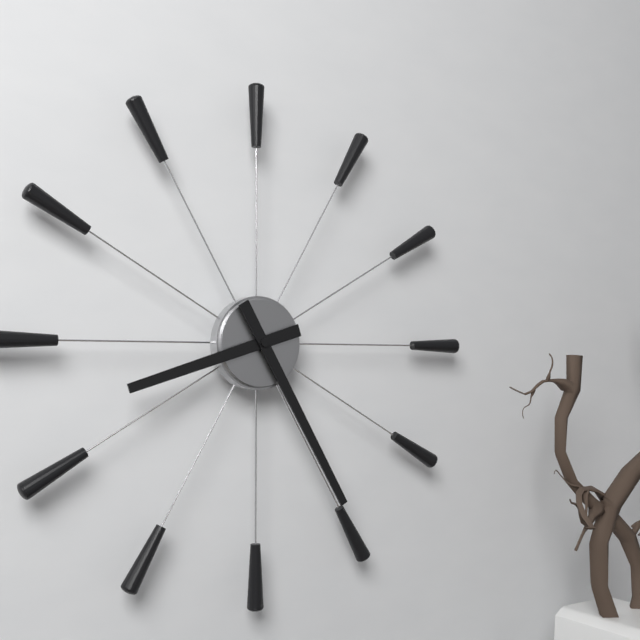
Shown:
8h25
